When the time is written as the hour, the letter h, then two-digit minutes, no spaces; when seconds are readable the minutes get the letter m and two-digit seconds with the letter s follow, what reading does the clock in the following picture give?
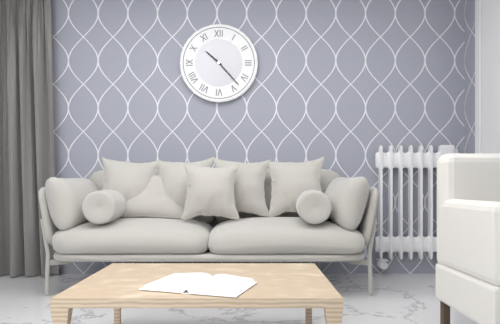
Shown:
10h23
